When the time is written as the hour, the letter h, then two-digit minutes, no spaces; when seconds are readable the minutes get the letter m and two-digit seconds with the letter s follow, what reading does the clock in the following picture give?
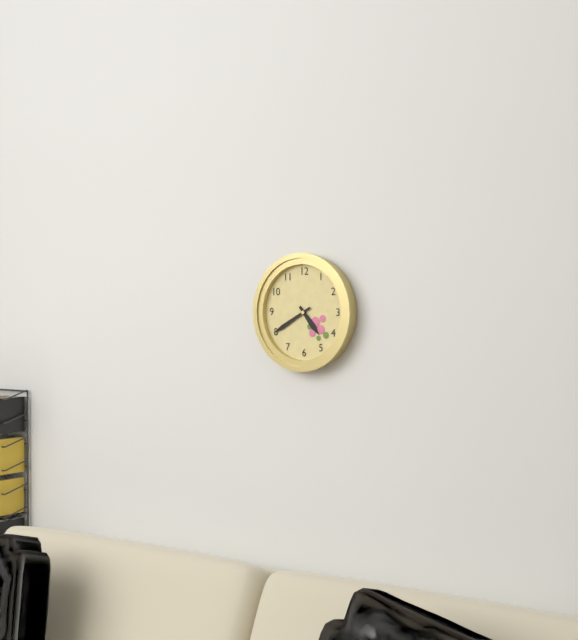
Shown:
4h40
